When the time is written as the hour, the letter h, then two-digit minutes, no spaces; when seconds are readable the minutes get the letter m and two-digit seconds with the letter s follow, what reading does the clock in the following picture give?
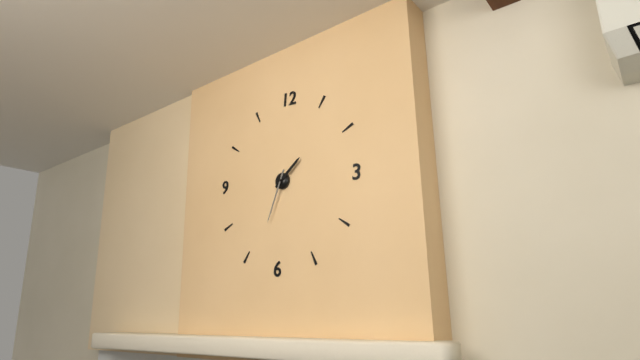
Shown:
1h33
